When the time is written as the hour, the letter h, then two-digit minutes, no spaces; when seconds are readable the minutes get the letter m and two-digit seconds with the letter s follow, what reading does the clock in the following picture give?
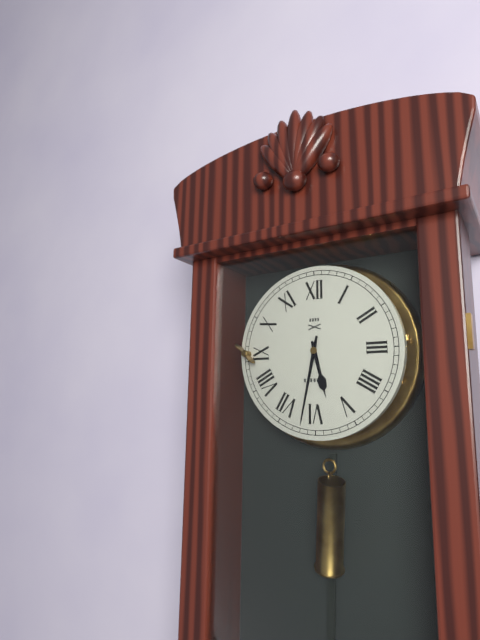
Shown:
5h32
